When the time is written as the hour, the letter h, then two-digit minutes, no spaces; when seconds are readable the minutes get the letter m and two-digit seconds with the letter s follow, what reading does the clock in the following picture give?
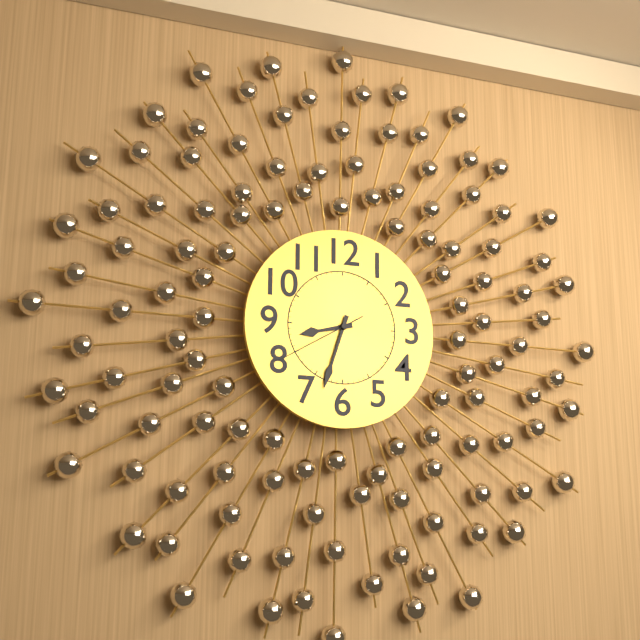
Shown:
8h33m40s
